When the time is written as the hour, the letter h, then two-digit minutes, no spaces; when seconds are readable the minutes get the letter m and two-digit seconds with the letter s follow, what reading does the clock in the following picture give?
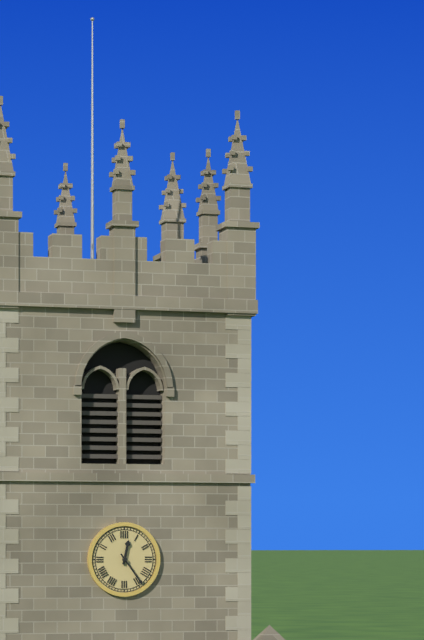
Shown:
12h24
